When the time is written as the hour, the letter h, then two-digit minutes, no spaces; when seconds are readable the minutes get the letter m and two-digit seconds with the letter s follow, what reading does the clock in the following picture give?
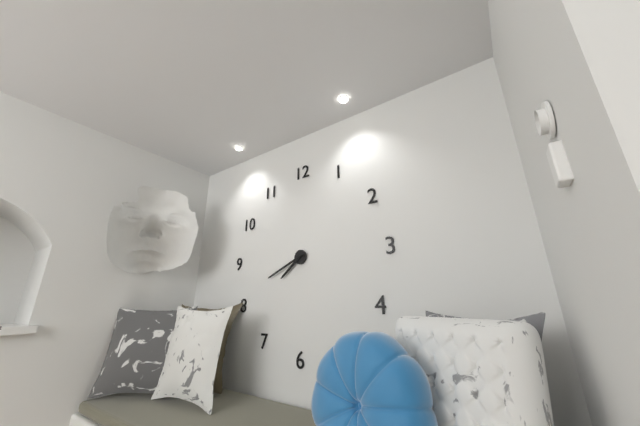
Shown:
7h41
